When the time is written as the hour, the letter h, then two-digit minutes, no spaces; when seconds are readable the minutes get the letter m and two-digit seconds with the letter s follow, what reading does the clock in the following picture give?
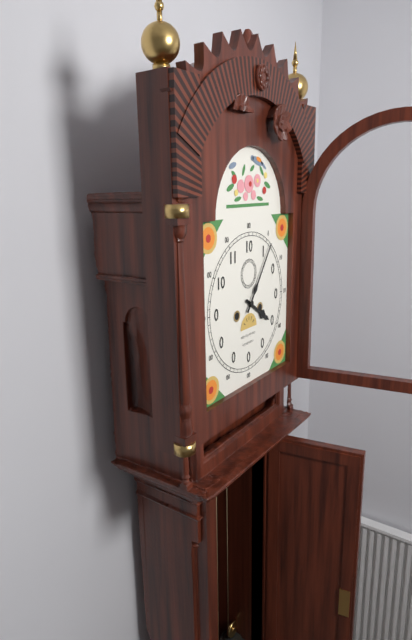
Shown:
4h06
